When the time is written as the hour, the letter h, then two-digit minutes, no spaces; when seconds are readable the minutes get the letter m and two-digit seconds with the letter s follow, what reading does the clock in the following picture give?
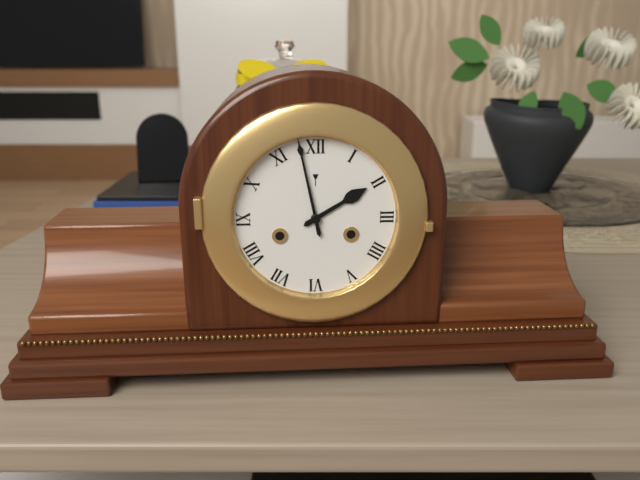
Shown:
1h58
